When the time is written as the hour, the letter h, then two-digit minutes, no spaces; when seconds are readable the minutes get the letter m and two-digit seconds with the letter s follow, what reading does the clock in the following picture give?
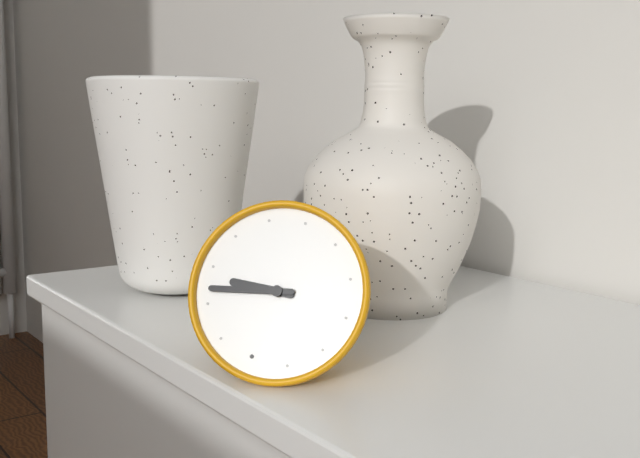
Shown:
8h42
